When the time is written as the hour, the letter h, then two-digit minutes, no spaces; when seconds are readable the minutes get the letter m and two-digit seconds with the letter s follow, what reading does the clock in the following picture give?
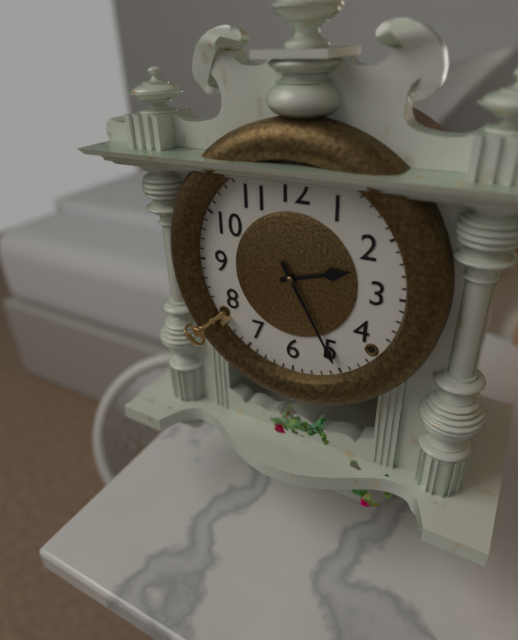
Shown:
2h25
